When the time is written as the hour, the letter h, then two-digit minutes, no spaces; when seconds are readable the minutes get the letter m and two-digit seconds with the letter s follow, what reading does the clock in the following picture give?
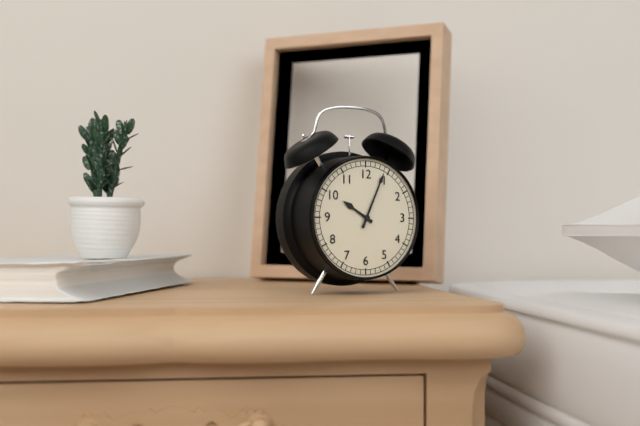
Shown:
10h04
